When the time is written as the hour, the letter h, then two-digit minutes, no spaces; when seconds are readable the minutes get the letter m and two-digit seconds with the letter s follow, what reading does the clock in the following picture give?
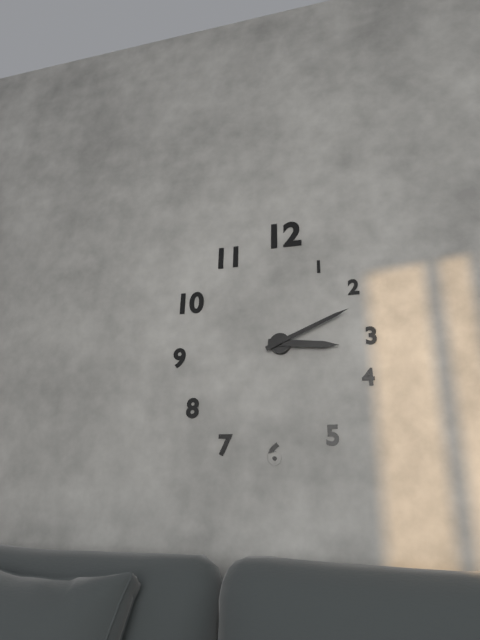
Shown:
3h11
